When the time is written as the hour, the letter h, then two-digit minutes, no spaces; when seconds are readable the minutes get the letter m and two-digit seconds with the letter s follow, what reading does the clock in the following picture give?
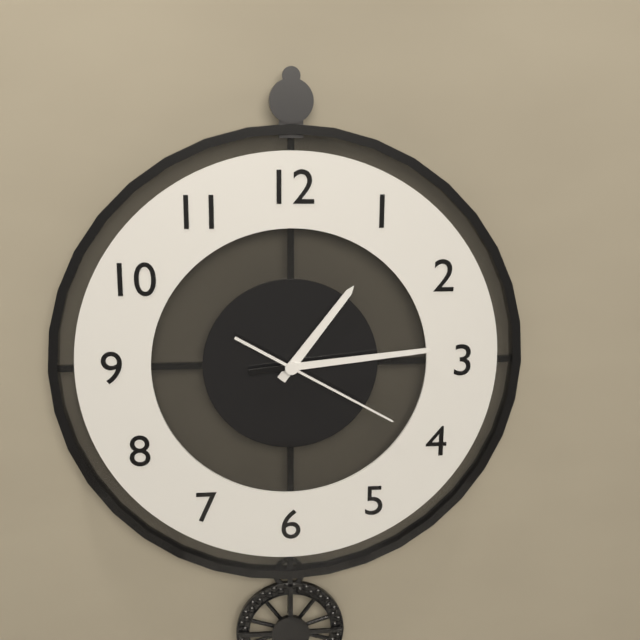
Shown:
1h14m20s
